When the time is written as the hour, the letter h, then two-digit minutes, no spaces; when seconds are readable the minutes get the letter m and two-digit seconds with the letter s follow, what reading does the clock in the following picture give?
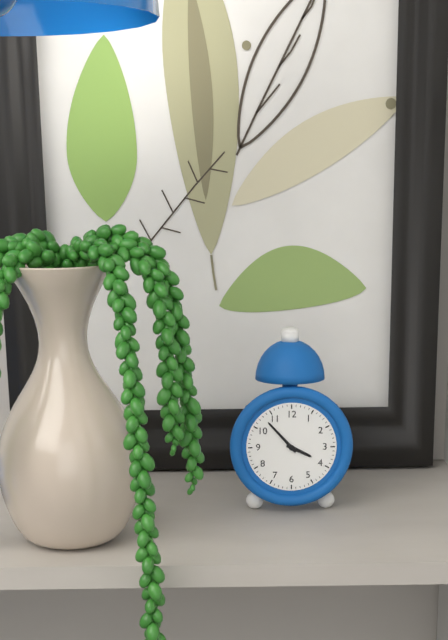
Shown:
3h53
